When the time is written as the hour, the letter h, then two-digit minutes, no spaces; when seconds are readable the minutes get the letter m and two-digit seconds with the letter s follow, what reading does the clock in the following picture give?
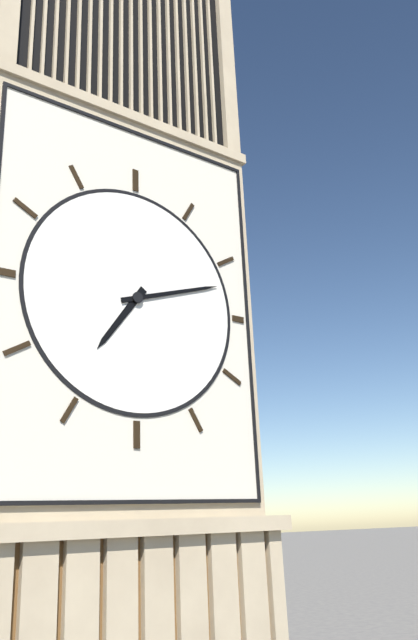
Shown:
7h12
